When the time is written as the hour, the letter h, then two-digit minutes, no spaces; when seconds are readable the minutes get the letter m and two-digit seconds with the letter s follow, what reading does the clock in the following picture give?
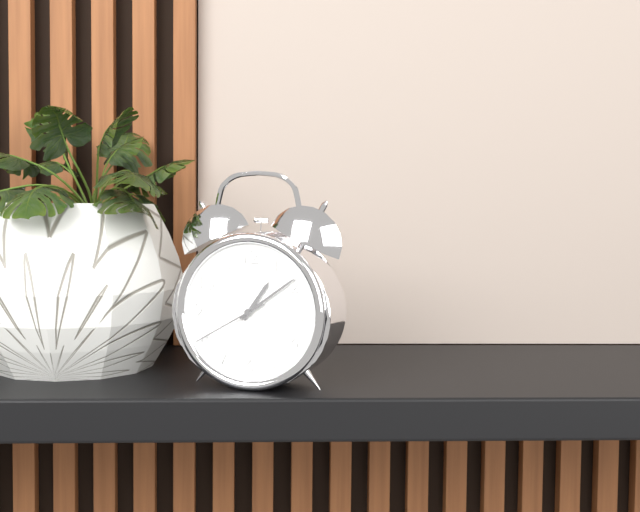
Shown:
1h09m40s
